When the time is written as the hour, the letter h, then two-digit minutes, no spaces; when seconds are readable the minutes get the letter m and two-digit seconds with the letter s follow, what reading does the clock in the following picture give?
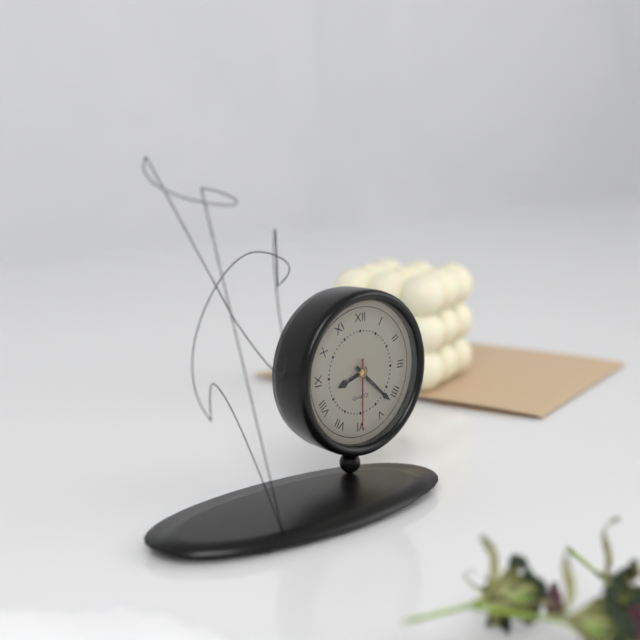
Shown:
8h22m30s
